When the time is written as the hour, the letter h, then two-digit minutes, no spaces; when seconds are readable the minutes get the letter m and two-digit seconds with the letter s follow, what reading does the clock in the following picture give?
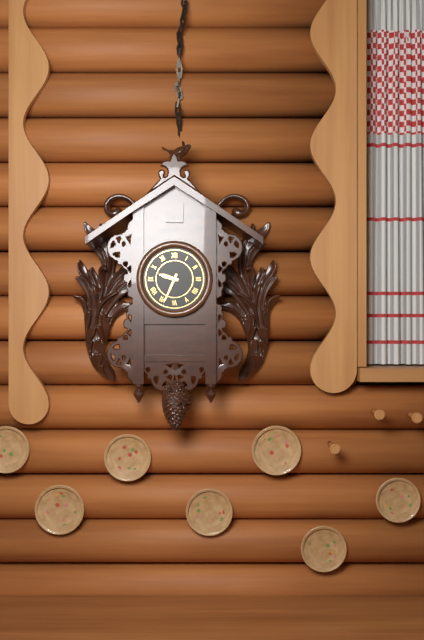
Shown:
9h34
